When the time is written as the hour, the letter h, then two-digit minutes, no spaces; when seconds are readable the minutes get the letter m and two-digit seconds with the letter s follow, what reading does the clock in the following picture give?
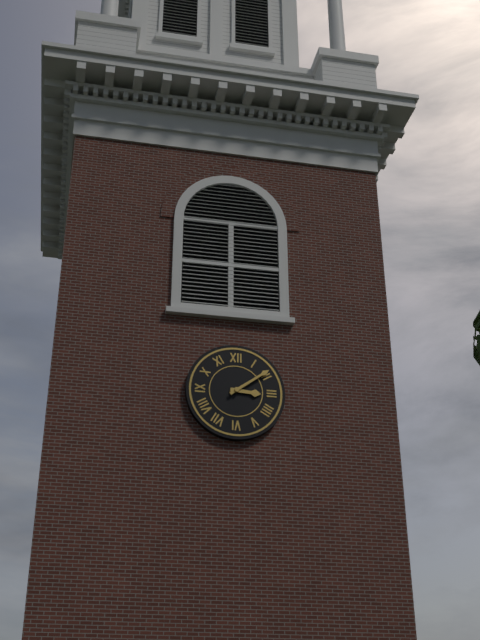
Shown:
3h09
